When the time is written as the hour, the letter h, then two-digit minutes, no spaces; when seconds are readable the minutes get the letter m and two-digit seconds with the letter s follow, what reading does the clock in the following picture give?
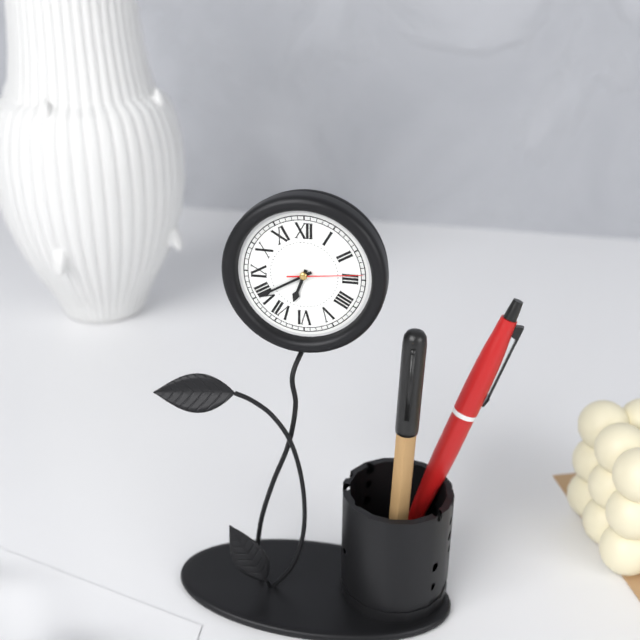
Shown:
6h40m14s
